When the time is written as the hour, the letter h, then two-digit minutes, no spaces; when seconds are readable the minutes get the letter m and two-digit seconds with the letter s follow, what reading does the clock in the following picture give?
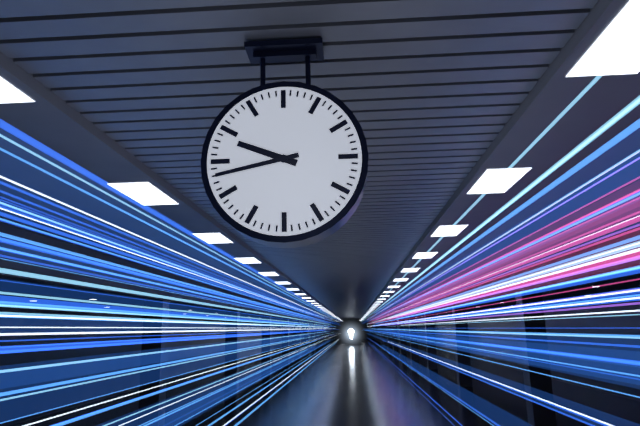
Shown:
9h43
